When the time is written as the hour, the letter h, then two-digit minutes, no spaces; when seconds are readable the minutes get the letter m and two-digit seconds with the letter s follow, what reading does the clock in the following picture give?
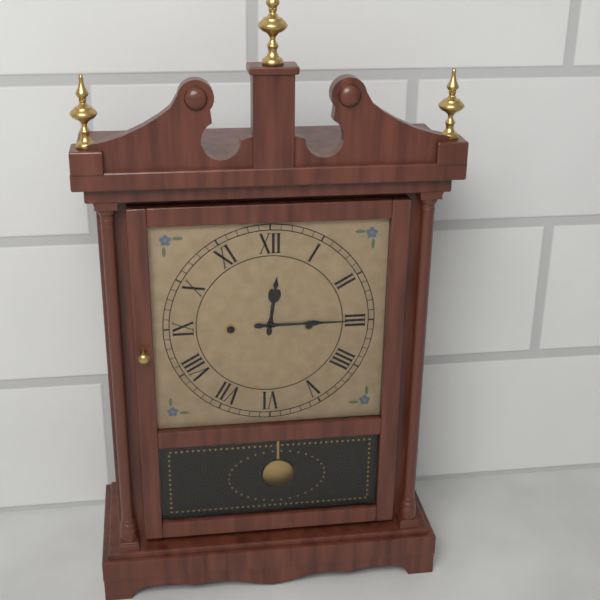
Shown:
12h15
